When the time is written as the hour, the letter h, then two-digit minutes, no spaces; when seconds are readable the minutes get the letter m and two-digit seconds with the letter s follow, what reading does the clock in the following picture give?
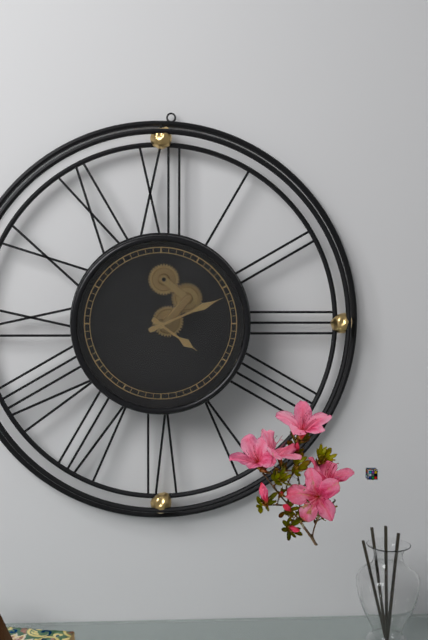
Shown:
4h11
